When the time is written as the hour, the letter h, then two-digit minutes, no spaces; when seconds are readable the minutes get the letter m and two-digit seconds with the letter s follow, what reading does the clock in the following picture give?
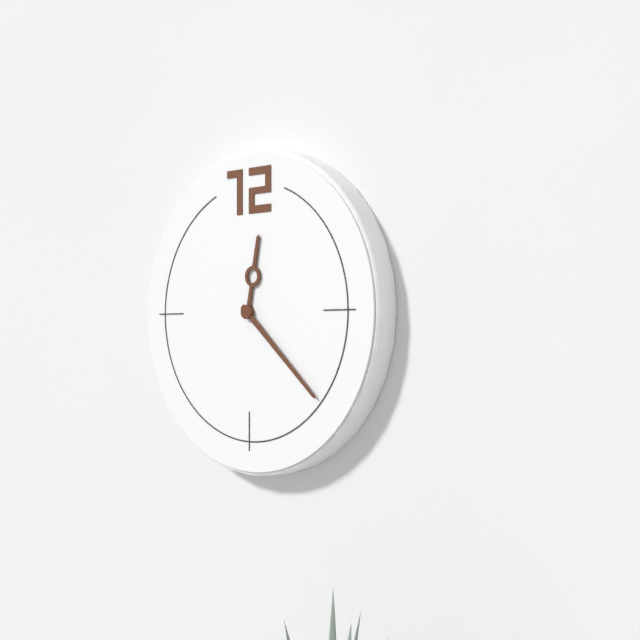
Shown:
12h22
